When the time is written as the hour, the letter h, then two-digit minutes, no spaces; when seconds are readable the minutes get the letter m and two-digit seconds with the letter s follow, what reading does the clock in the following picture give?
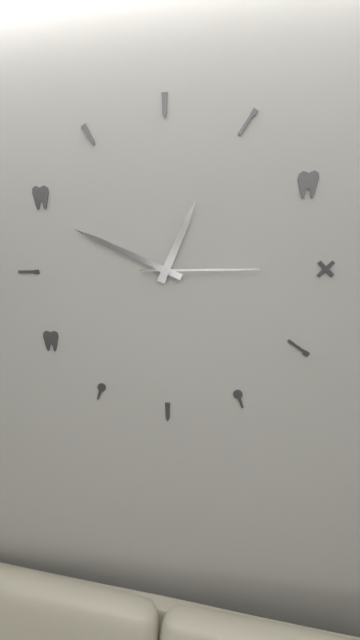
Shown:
12h49m15s
